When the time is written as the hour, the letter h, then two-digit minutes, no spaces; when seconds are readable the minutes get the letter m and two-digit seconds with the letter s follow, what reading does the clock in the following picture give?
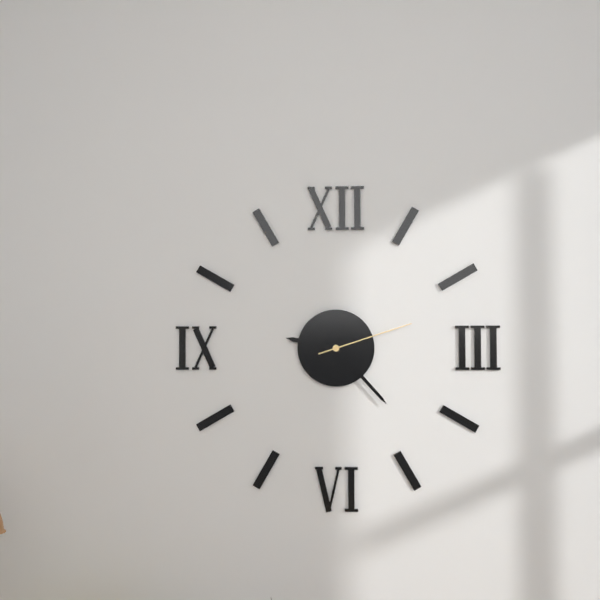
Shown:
9h23m12s
